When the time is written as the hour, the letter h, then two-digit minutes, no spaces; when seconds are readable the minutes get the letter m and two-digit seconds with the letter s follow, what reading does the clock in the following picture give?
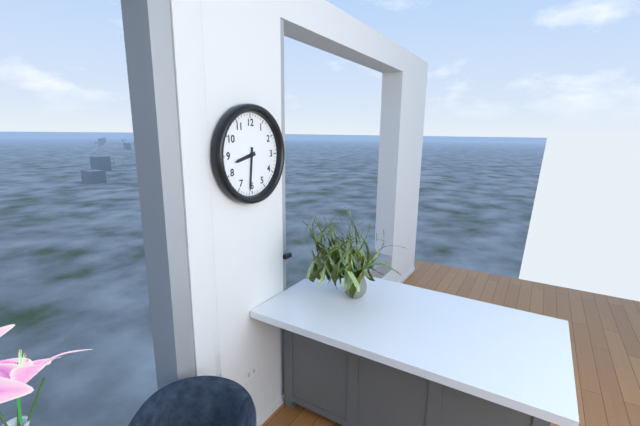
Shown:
8h31
